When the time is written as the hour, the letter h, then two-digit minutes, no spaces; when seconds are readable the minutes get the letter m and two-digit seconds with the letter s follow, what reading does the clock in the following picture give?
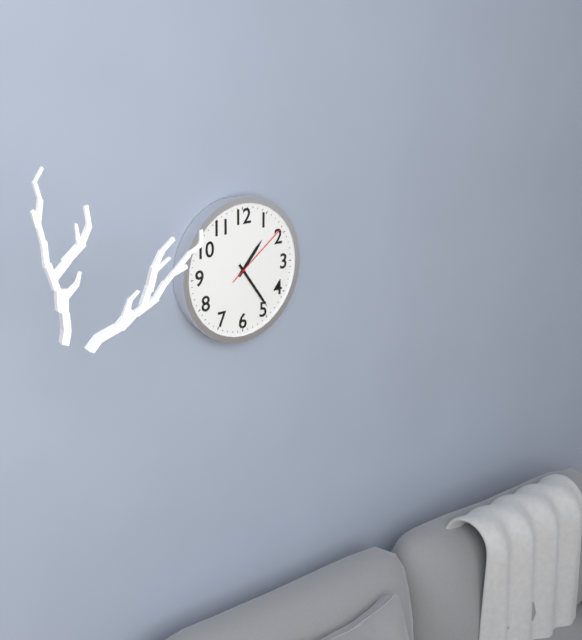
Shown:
1h24m09s
